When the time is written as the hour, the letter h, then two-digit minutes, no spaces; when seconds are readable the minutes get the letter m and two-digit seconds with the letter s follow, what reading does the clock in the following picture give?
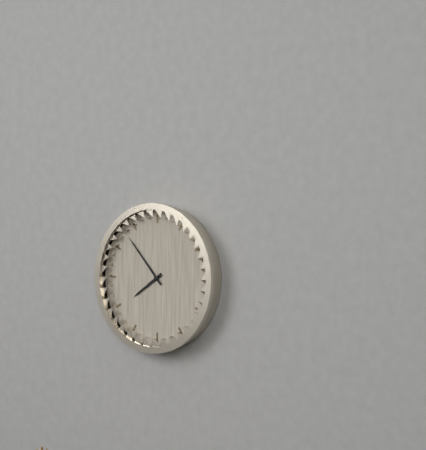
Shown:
7h53
